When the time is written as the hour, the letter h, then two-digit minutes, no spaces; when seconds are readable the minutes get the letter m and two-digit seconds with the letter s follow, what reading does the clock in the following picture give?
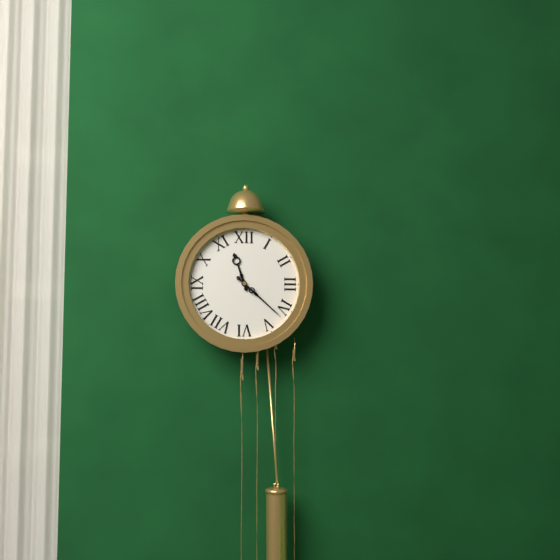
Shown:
11h22
